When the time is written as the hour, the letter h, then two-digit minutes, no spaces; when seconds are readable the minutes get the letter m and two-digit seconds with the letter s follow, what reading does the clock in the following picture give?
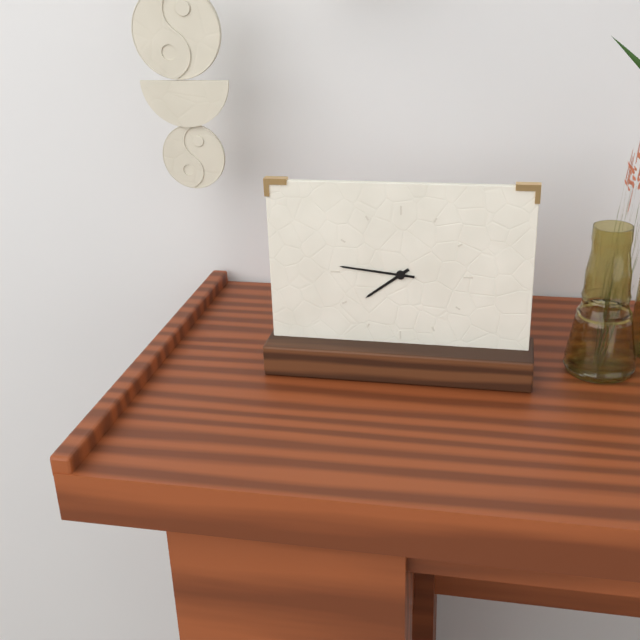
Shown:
7h46
